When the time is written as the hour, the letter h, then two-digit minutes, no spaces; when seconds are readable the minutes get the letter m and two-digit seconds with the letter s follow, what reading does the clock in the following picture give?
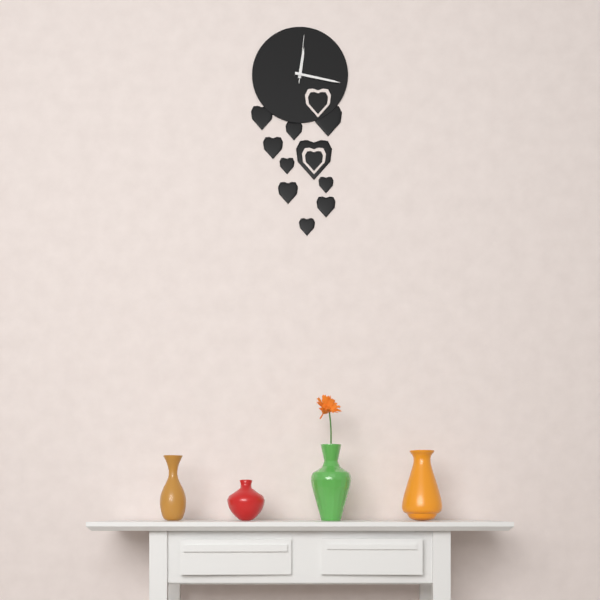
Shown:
12h17
